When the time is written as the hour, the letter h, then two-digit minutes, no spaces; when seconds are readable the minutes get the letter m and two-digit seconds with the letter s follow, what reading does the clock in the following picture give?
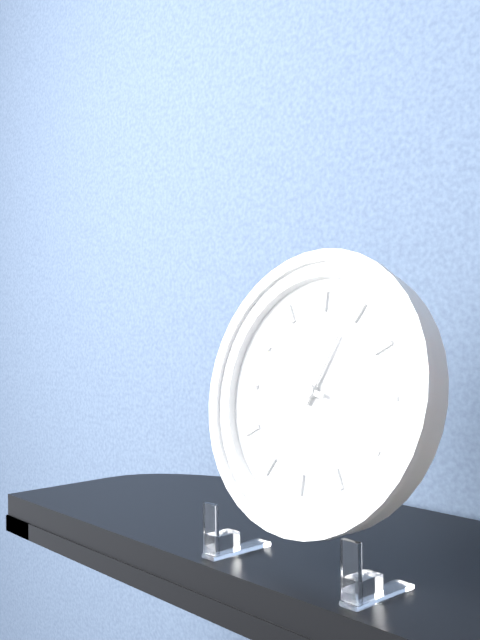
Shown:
12h47
